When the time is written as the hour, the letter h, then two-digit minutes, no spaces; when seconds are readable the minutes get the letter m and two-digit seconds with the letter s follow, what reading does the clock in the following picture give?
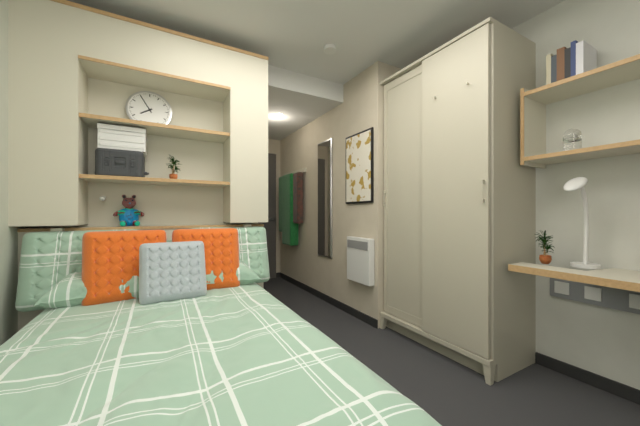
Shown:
7h55
